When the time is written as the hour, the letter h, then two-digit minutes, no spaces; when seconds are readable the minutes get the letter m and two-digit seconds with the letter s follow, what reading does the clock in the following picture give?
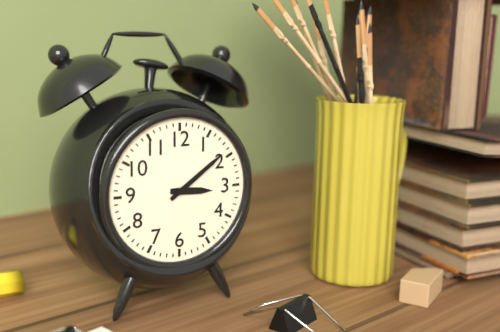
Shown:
3h09
